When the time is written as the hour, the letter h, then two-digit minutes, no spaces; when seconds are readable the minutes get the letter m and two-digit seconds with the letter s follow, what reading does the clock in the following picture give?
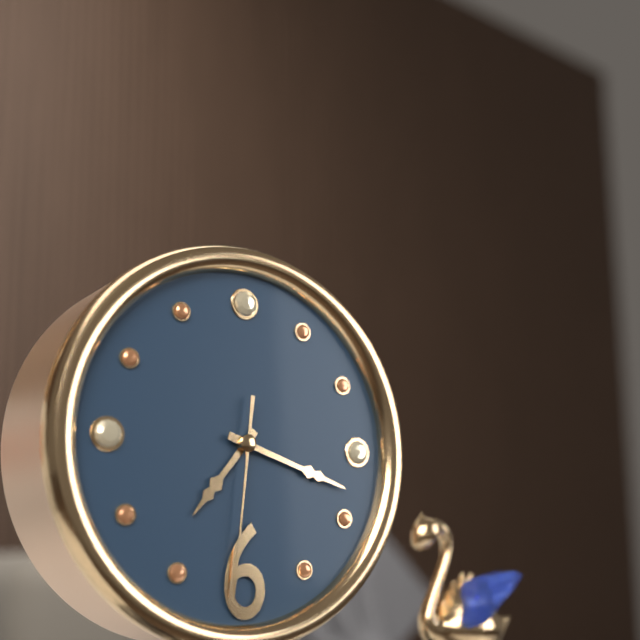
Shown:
7h18m31s
